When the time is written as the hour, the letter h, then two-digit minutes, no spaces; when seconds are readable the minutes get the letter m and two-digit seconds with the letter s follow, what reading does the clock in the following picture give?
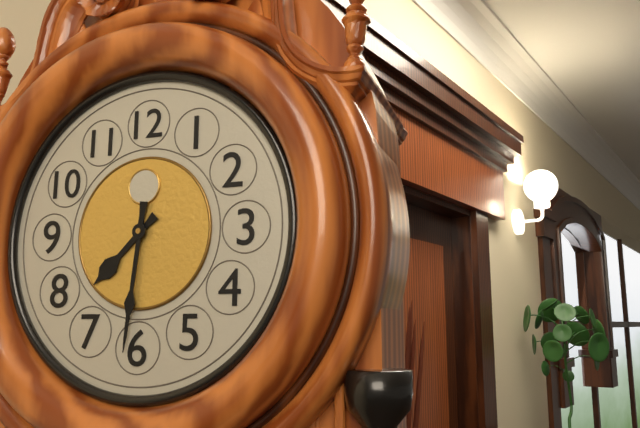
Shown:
7h31
